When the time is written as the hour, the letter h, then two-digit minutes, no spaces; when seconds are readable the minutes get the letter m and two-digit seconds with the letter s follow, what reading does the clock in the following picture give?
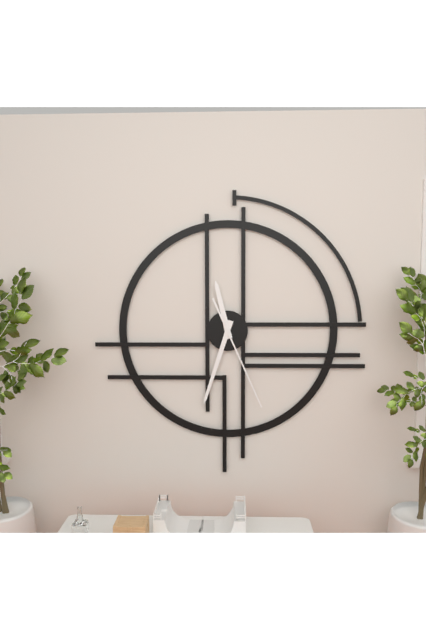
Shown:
11h33m26s
